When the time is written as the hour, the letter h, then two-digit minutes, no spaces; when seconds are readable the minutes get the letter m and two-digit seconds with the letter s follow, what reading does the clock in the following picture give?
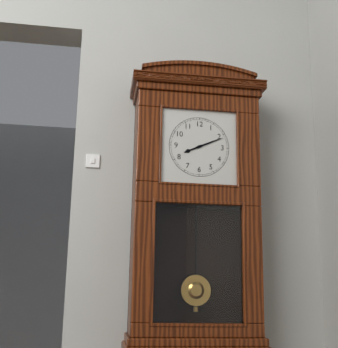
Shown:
8h11
